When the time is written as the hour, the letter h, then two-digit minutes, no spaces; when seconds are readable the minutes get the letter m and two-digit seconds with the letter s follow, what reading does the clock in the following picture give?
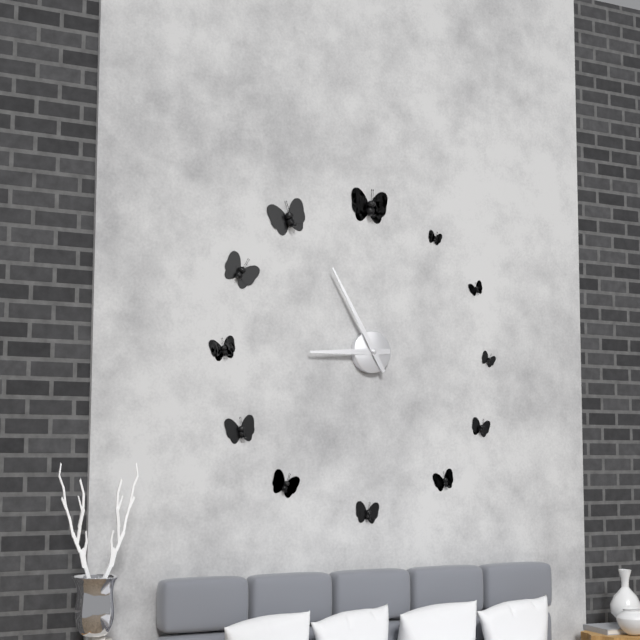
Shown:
8h55
